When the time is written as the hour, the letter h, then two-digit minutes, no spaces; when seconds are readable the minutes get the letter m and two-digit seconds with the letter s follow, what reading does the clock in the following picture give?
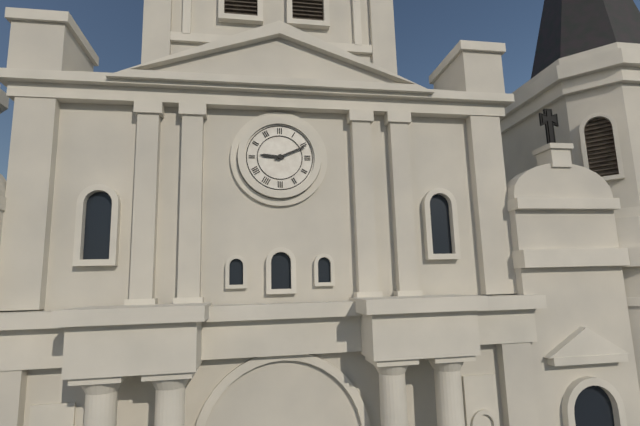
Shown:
9h11
